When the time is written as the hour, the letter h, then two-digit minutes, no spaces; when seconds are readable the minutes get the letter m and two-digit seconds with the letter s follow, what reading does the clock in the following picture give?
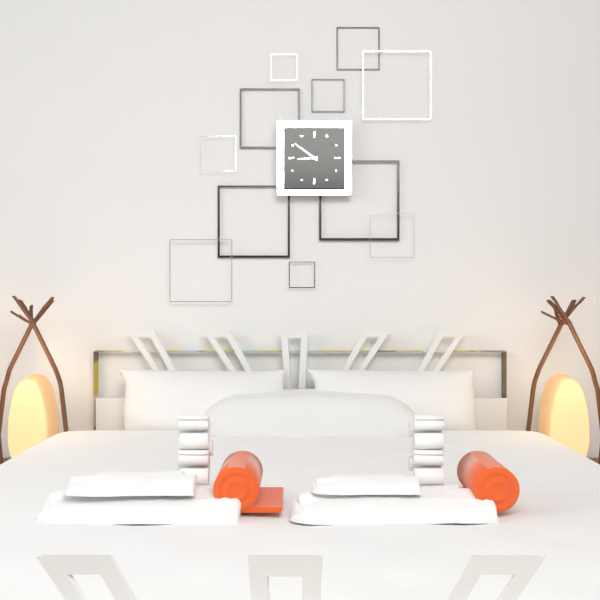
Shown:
8h51
